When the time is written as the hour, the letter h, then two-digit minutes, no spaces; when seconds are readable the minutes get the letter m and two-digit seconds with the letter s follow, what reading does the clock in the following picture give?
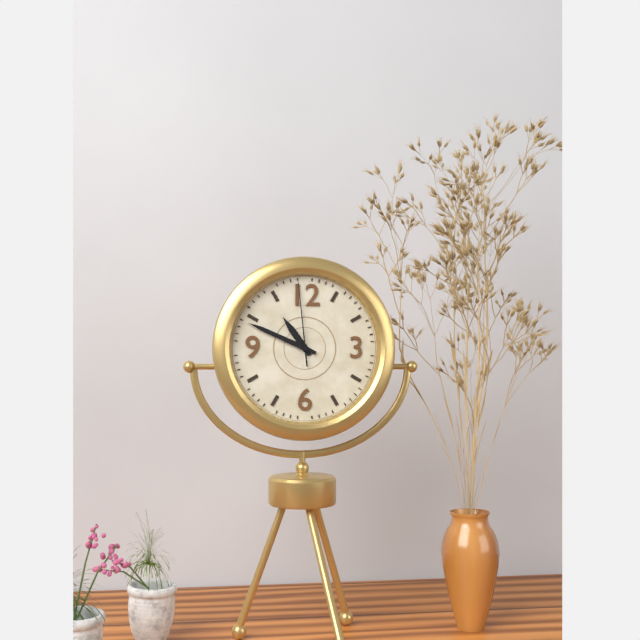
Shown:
10h49m59s
